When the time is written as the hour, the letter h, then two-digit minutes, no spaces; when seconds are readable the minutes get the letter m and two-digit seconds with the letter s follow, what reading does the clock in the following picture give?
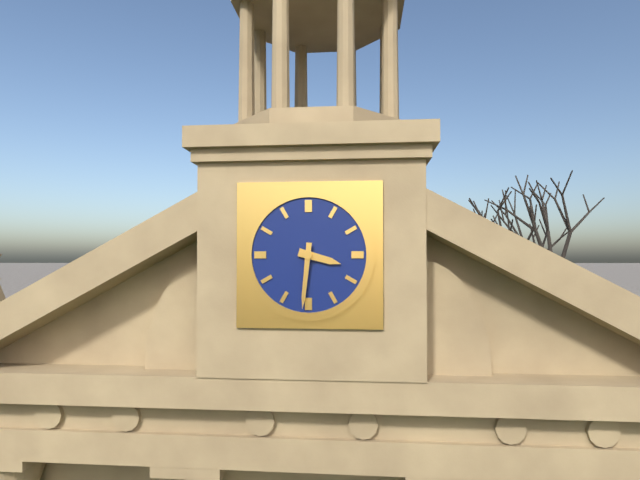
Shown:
3h31
